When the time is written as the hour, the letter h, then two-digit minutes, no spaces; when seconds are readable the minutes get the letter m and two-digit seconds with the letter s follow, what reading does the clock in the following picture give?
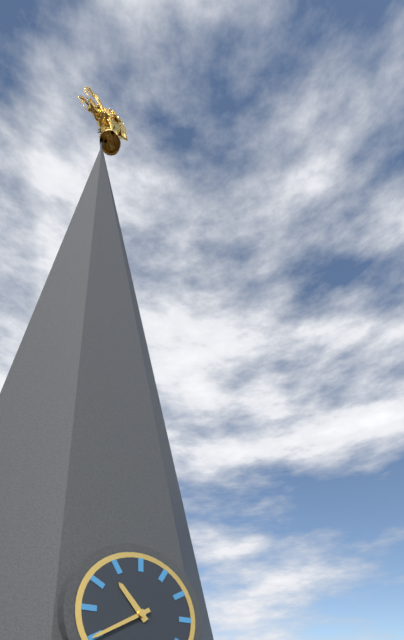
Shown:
10h40
